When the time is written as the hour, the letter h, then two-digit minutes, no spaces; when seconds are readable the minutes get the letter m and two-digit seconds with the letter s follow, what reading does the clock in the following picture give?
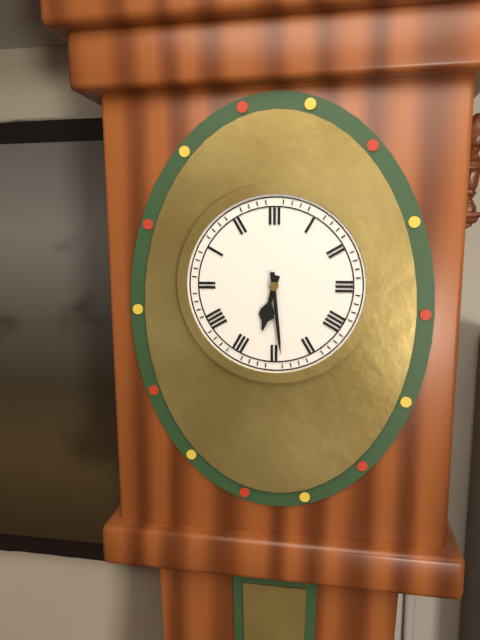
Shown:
6h29
